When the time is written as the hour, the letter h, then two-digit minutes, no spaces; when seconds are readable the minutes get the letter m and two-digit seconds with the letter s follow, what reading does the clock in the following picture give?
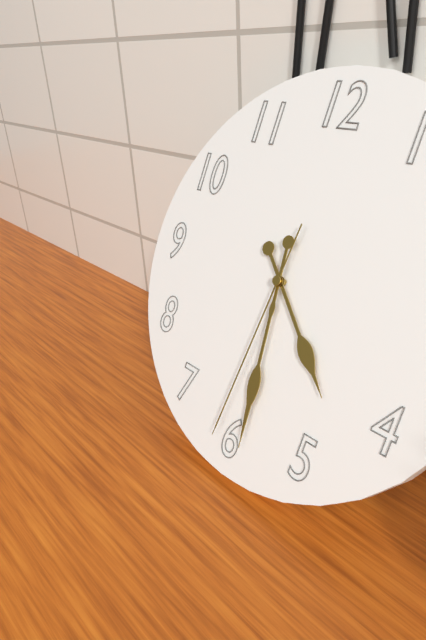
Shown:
4h29m31s
